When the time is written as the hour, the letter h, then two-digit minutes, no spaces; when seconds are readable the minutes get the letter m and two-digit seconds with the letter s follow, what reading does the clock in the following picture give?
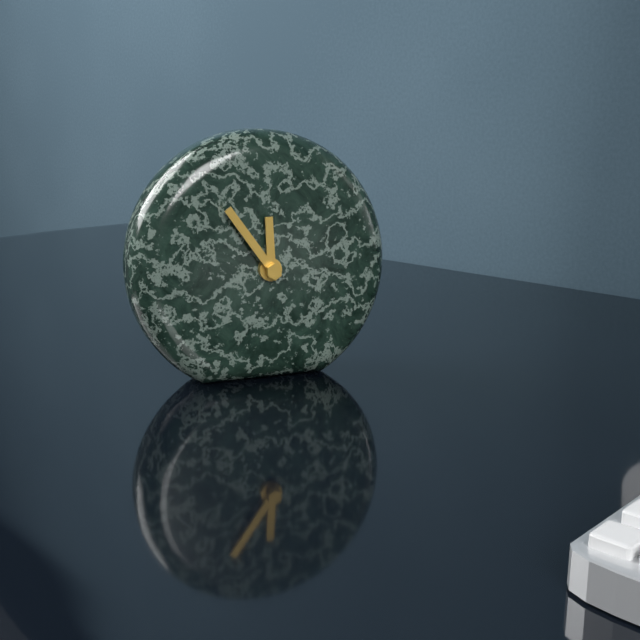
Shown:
11h54
